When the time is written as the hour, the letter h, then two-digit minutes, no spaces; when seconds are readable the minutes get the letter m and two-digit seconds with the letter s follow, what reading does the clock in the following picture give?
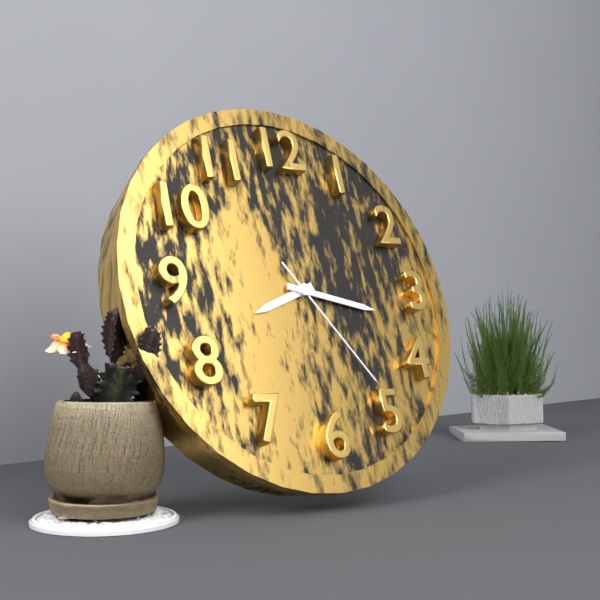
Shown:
8h17m24s
